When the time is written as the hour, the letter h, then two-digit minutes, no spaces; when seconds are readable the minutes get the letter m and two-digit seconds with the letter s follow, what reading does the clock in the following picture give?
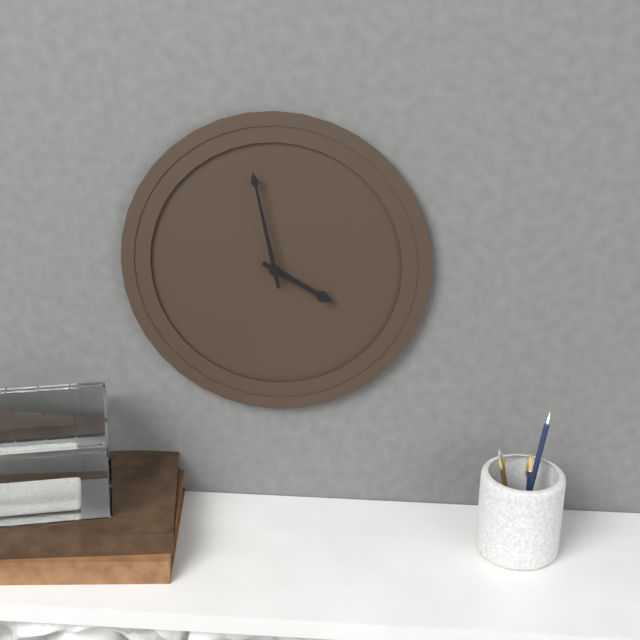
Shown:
3h58
